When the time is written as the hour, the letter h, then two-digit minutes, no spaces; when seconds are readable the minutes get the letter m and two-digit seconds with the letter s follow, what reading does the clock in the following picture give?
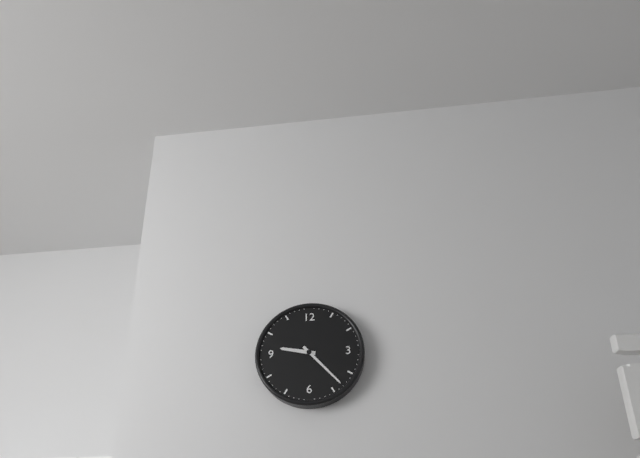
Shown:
9h23
